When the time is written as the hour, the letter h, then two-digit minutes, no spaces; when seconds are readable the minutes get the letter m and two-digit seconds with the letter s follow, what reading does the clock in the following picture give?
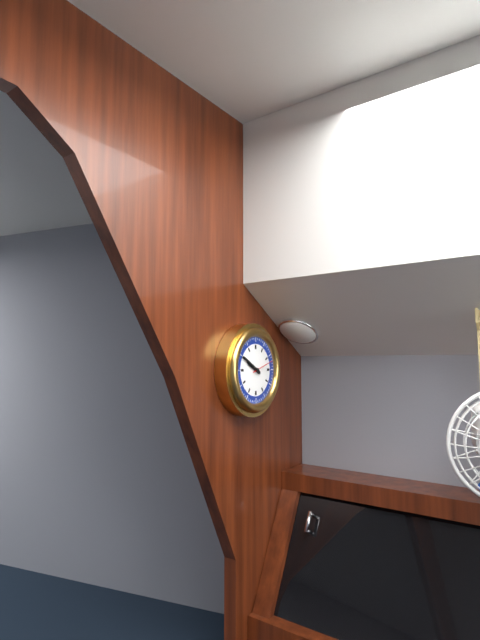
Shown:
9h50
